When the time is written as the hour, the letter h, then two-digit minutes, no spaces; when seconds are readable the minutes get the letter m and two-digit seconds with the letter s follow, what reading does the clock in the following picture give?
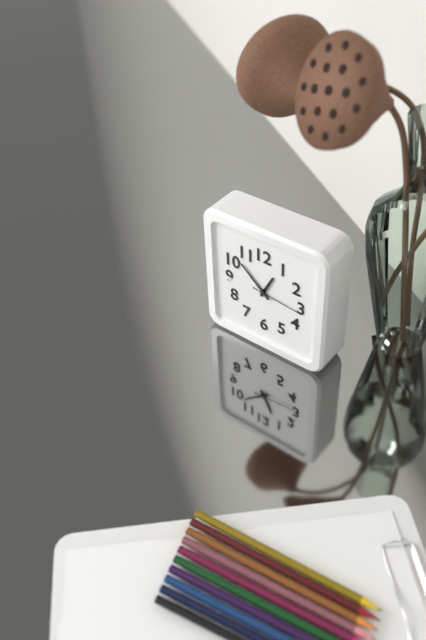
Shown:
12h52m16s
